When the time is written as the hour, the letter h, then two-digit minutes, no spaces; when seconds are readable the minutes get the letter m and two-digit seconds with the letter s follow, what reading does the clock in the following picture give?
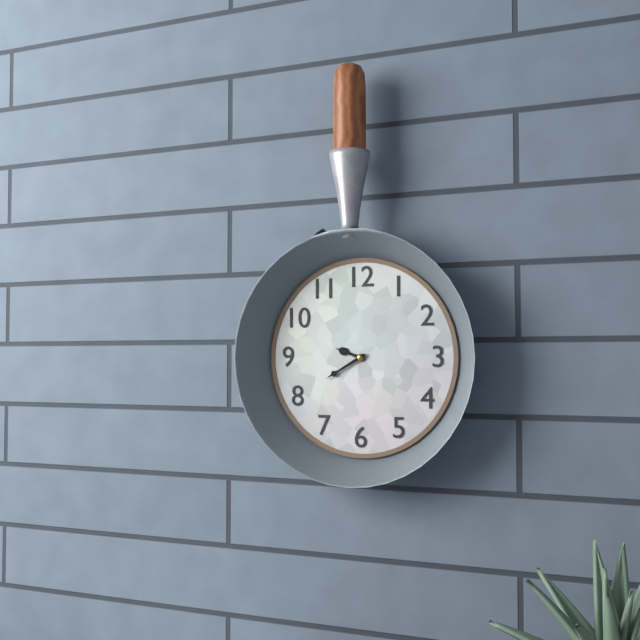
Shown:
9h40
